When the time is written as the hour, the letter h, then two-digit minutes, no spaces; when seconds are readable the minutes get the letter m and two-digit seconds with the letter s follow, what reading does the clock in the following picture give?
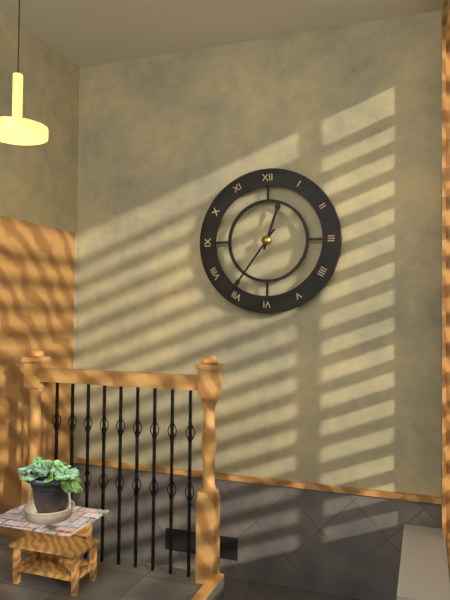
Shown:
12h36
